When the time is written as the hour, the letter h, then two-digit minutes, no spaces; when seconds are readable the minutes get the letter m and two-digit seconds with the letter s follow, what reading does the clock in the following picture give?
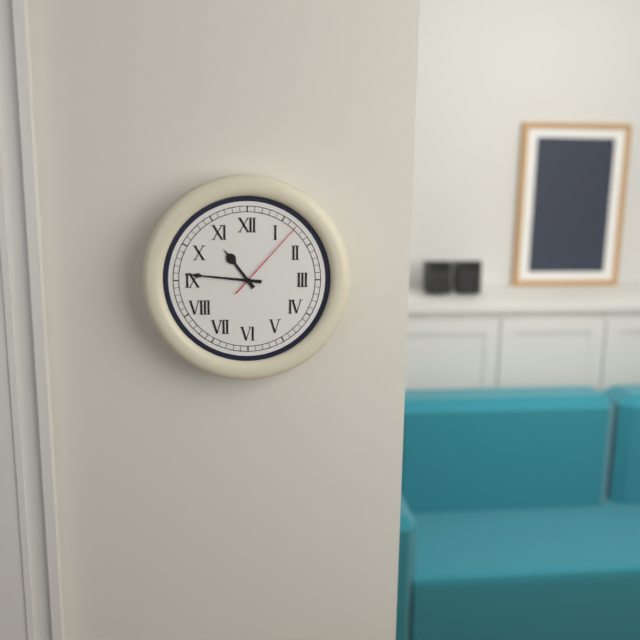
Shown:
10h46m07s
